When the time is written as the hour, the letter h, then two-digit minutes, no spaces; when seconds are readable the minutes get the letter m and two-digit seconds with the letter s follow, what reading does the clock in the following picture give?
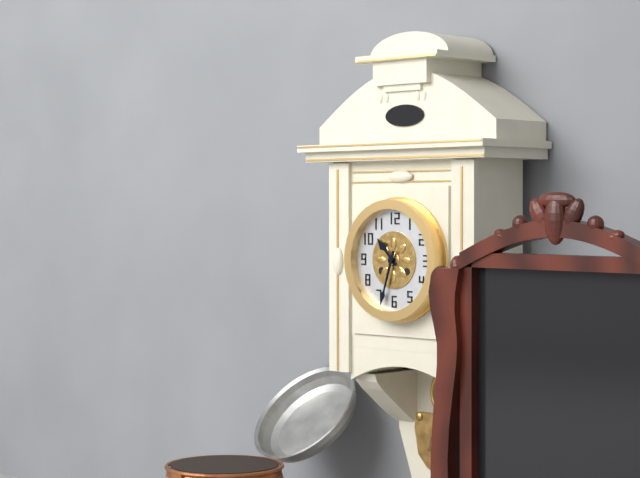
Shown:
10h33
